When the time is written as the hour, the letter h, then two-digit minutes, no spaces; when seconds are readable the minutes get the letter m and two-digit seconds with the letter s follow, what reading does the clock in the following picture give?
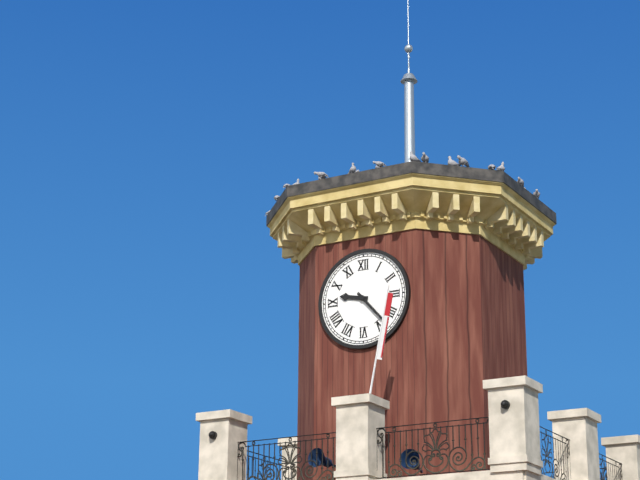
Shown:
9h23
